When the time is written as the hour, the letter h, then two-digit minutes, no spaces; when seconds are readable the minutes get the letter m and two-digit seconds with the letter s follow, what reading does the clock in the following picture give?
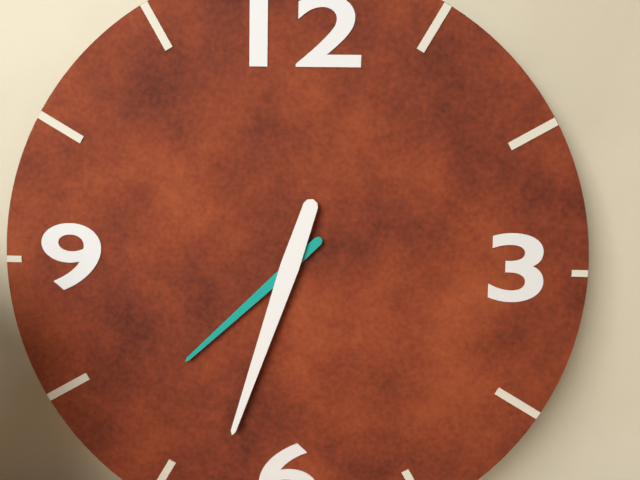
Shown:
7h33
